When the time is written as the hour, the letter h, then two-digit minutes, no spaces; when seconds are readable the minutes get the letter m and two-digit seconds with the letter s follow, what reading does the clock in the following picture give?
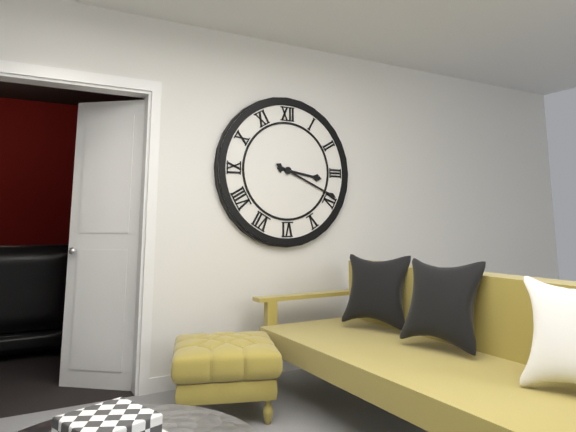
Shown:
3h19
